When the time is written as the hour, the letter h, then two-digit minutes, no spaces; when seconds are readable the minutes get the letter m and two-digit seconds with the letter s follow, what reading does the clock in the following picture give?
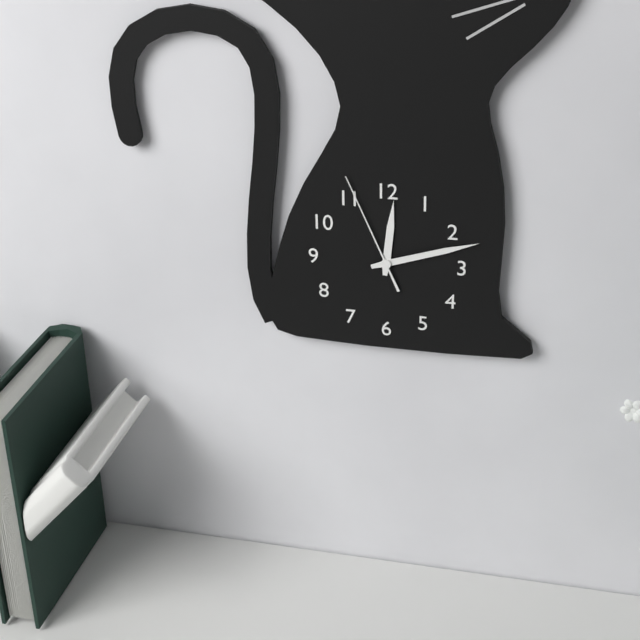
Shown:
12h12m56s
